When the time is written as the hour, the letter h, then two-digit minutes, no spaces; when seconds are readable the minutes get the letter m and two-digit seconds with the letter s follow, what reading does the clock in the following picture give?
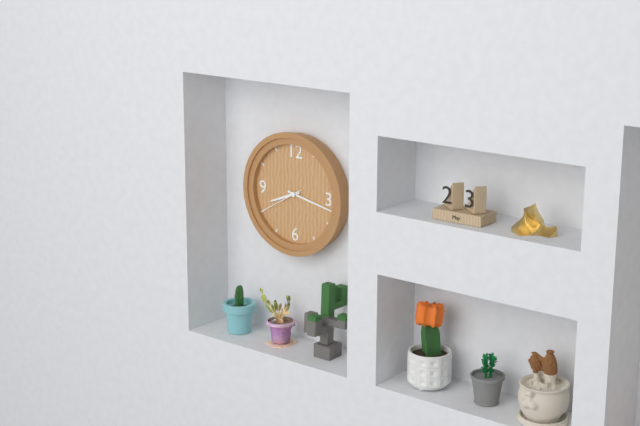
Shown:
8h17
